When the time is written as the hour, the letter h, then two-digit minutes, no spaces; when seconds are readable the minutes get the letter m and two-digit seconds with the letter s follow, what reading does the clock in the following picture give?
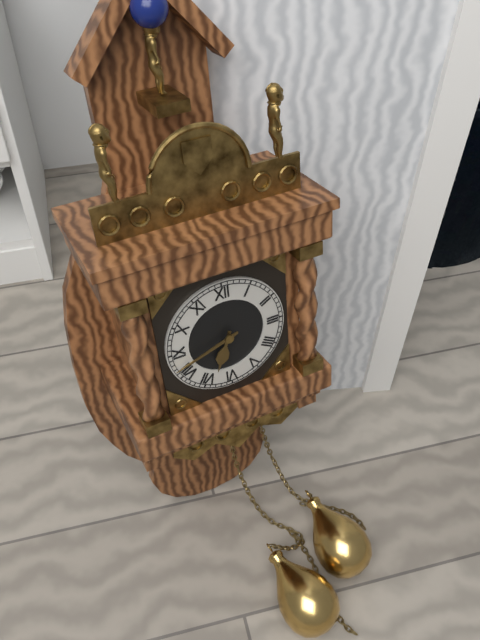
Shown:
6h42
